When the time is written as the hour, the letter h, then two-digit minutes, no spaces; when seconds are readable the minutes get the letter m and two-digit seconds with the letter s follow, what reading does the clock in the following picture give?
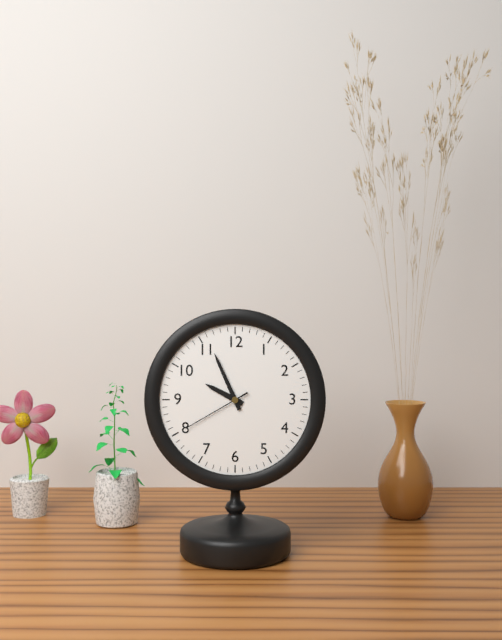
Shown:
9h56m40s
